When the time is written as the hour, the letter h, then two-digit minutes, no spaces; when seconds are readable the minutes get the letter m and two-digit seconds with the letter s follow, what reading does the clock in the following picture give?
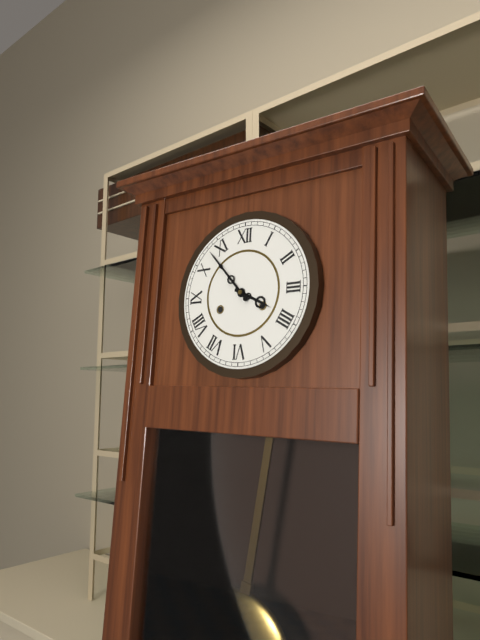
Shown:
3h53
